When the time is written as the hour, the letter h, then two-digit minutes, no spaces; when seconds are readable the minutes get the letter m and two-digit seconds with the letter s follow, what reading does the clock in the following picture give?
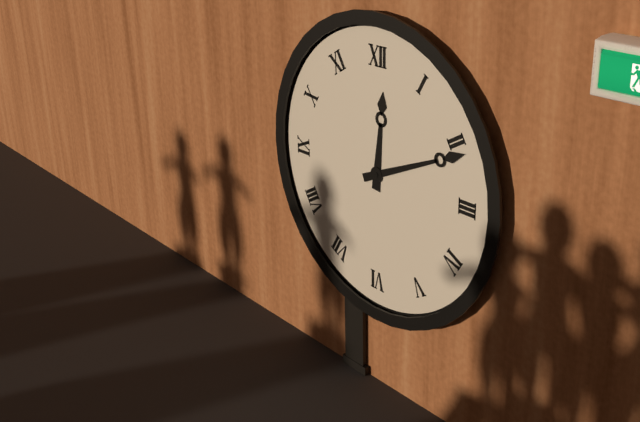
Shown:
12h11
